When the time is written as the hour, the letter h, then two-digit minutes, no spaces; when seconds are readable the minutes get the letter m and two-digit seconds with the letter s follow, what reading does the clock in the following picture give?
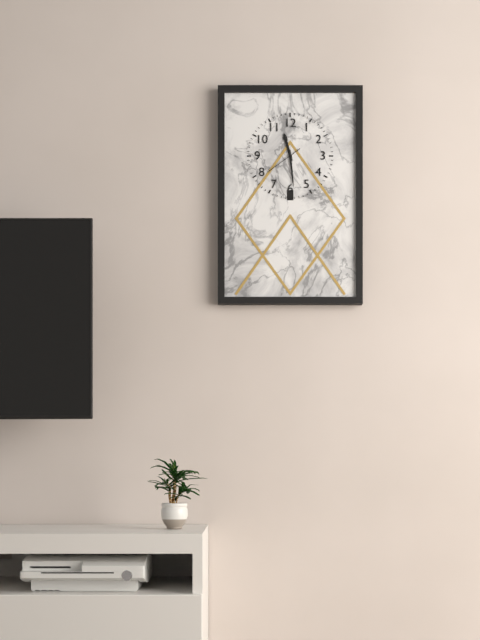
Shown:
11h29
